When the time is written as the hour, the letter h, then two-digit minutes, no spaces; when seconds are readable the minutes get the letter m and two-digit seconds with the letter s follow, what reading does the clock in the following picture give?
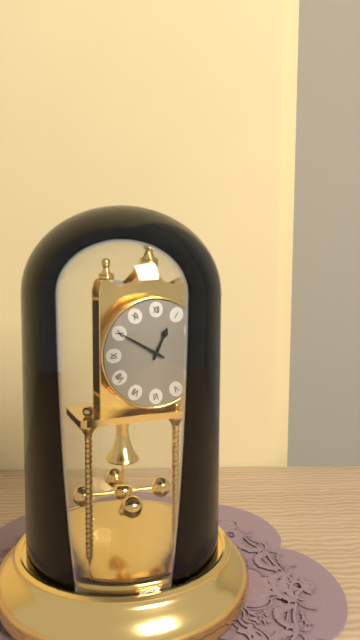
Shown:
12h50
